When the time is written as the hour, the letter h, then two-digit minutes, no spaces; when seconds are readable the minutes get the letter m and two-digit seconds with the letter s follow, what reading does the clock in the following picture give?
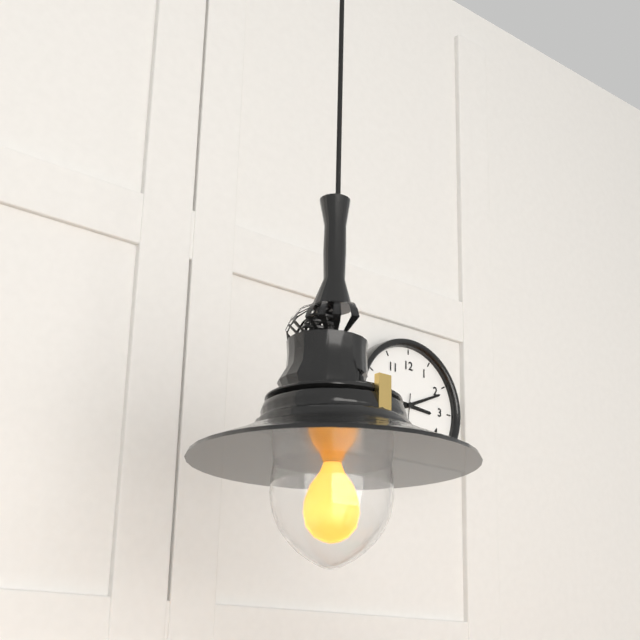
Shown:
3h11
